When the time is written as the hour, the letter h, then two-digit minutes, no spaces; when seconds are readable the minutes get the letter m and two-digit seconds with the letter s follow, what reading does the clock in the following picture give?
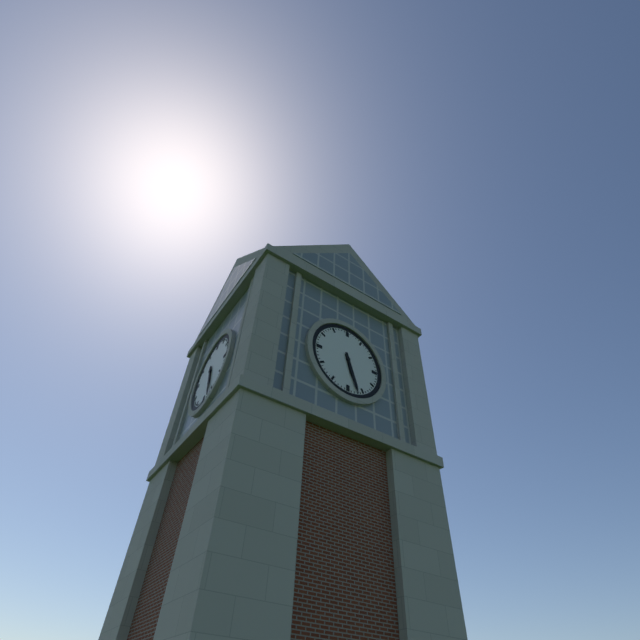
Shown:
5h27
